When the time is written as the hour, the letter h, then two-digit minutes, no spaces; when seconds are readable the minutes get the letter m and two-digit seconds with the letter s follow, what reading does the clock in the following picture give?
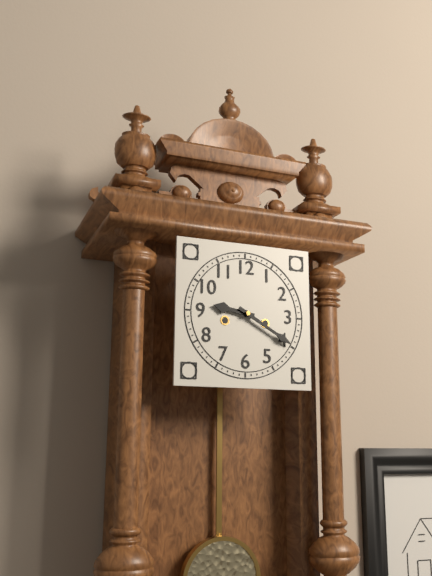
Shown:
9h20
